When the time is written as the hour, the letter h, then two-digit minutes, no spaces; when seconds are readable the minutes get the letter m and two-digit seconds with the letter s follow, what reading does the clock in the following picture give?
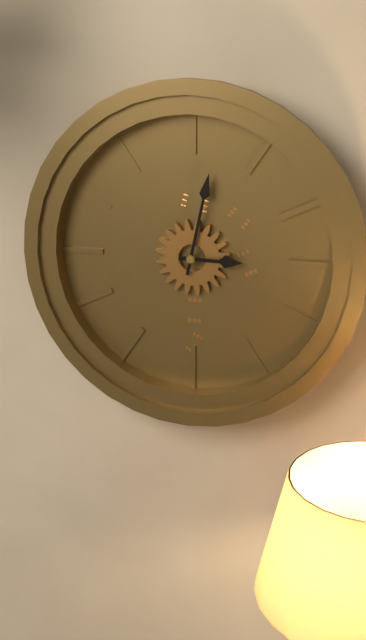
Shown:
3h02
